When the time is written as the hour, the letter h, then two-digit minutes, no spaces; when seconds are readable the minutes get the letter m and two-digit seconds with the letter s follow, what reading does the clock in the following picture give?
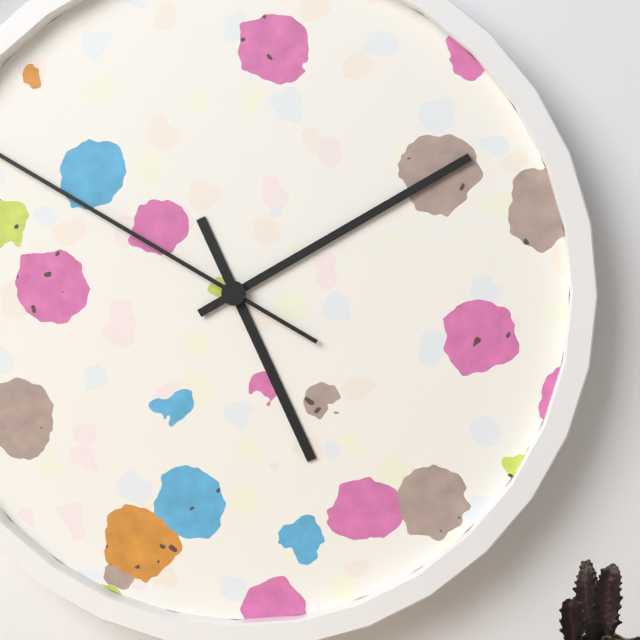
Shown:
5h10
